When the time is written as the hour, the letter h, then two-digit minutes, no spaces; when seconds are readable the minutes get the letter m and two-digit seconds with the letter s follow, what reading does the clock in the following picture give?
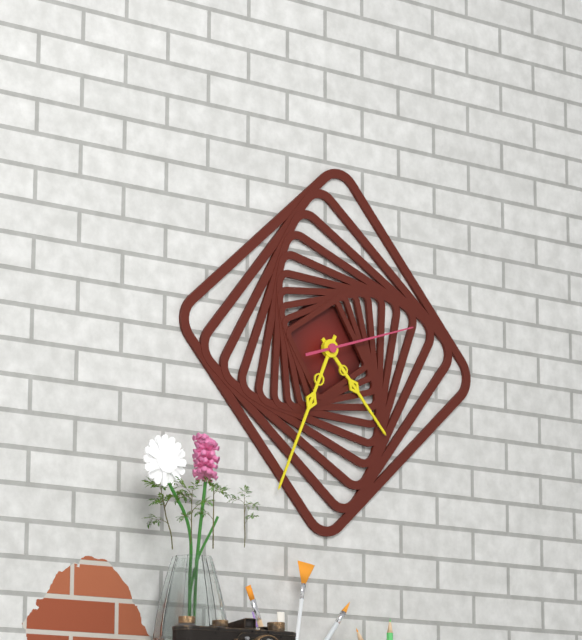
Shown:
4h34m12s
